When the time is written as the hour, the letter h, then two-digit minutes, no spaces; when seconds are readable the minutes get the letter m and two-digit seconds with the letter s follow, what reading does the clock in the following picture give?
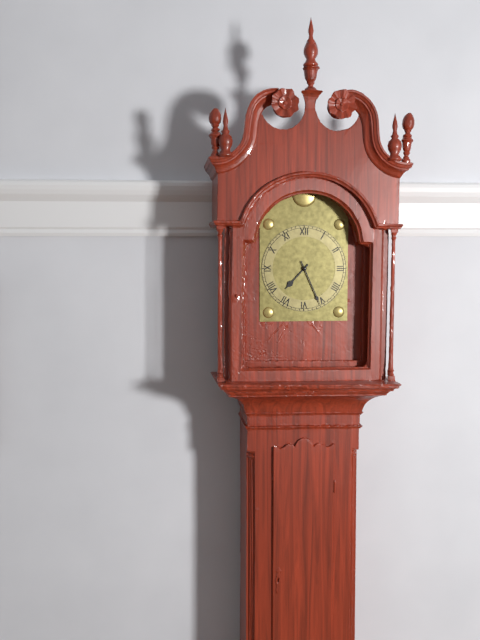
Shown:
7h26
